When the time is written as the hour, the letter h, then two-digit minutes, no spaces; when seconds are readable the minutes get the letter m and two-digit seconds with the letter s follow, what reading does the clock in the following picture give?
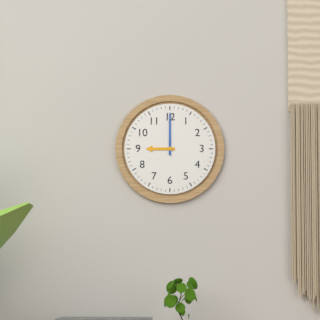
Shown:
9h00
